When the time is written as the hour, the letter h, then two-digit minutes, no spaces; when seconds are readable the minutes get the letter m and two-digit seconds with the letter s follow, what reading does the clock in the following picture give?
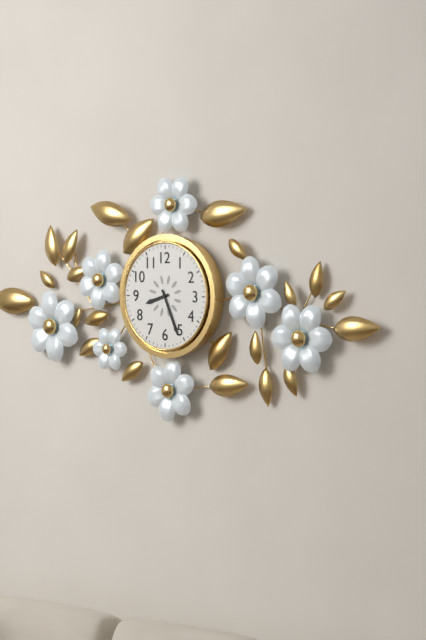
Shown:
8h26
